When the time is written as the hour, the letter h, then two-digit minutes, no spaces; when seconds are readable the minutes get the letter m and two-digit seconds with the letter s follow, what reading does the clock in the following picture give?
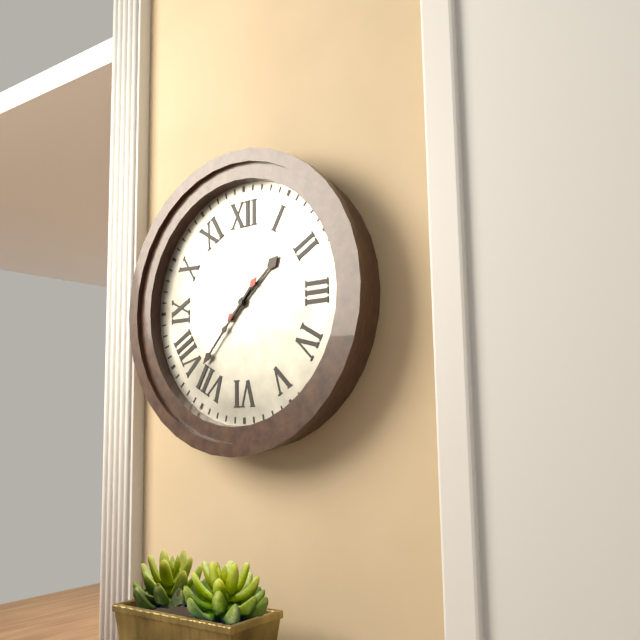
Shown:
1h37
